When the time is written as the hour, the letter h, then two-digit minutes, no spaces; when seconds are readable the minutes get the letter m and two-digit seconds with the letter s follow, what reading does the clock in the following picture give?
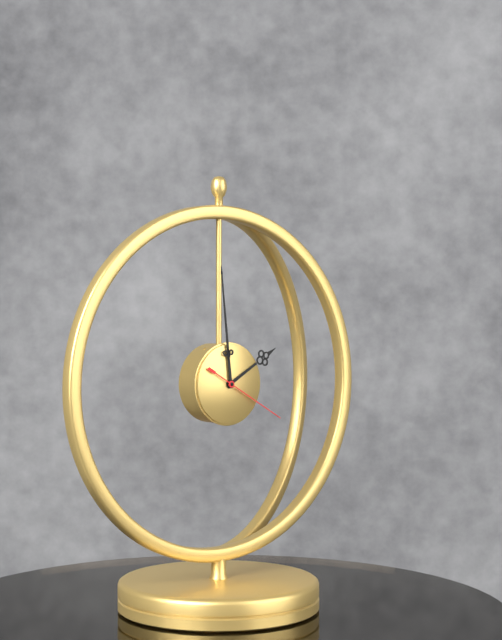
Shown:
1h59m20s
